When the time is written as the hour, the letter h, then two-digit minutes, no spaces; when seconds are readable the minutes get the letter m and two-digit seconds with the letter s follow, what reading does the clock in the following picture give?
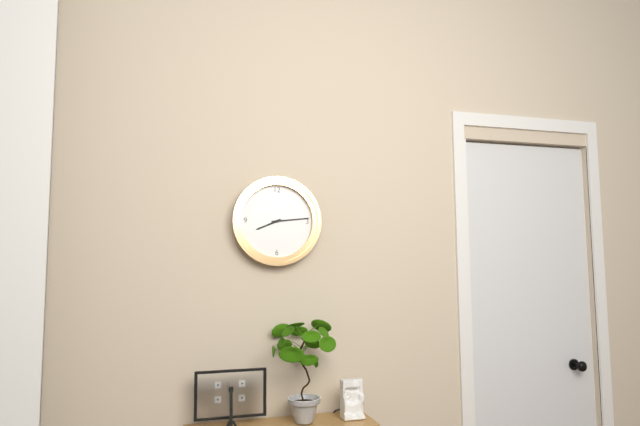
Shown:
8h14
